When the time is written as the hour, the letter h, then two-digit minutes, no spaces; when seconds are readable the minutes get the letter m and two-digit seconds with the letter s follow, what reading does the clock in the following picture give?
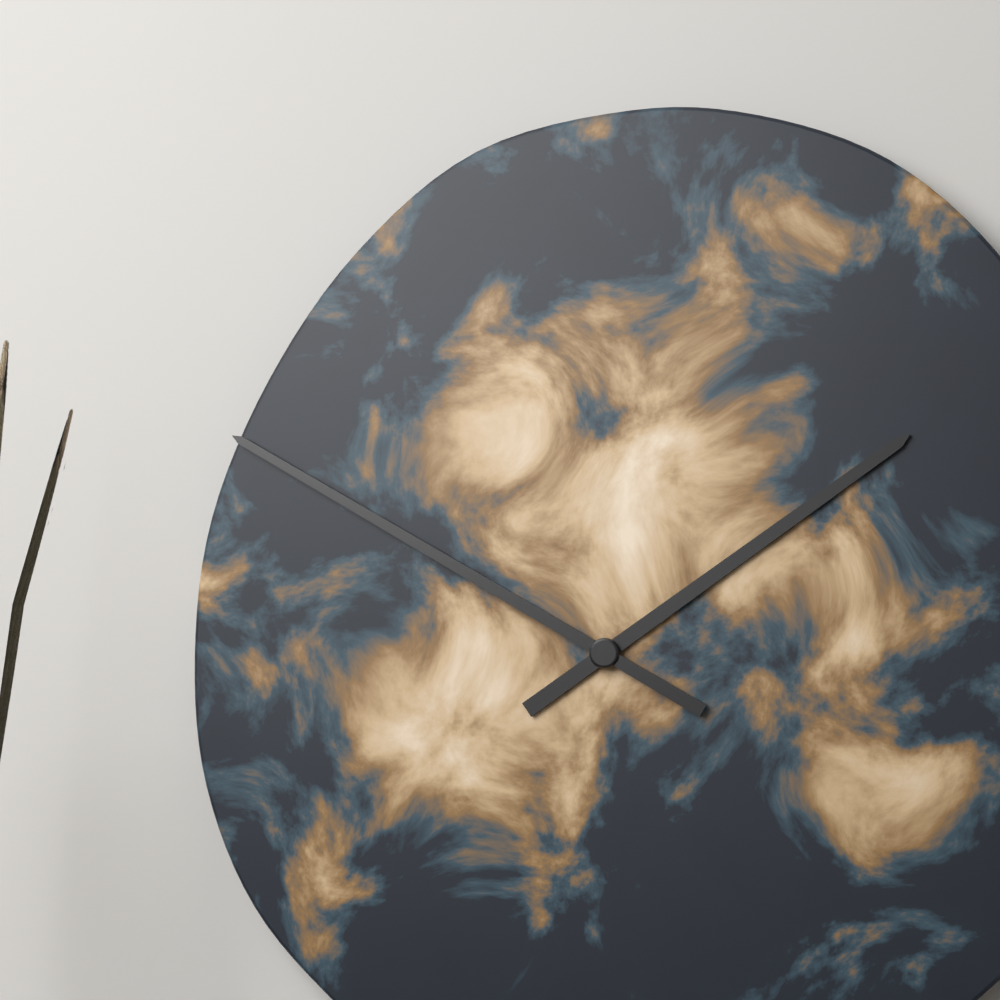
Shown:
1h50
